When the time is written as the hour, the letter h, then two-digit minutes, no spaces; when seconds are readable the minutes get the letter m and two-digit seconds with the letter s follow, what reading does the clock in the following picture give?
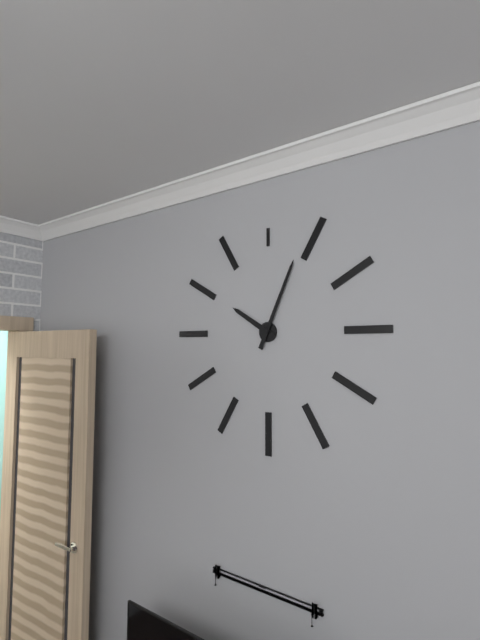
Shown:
10h04
